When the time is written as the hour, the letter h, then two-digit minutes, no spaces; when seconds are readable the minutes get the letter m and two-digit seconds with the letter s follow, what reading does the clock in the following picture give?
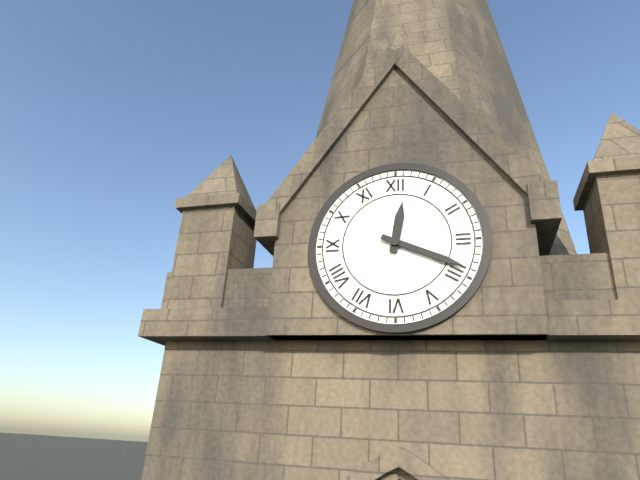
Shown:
12h19
